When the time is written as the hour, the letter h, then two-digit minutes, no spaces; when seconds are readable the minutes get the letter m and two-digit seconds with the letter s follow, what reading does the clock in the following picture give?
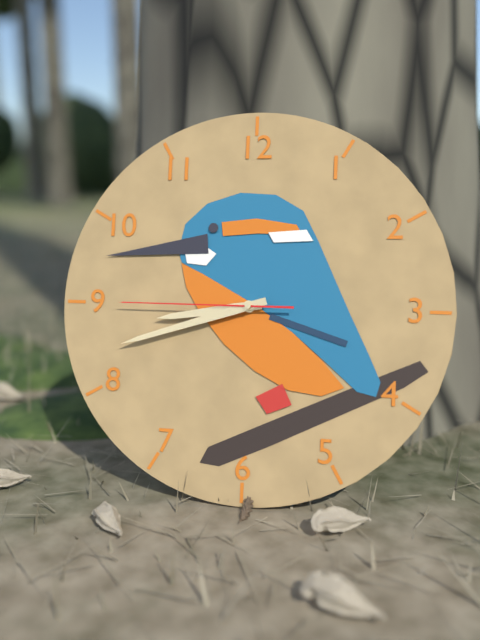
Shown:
8h42m45s
